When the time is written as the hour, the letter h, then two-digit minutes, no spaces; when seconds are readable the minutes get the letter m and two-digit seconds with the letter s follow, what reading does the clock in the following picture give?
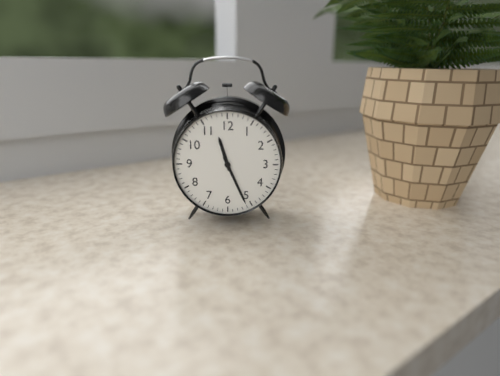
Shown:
11h26
